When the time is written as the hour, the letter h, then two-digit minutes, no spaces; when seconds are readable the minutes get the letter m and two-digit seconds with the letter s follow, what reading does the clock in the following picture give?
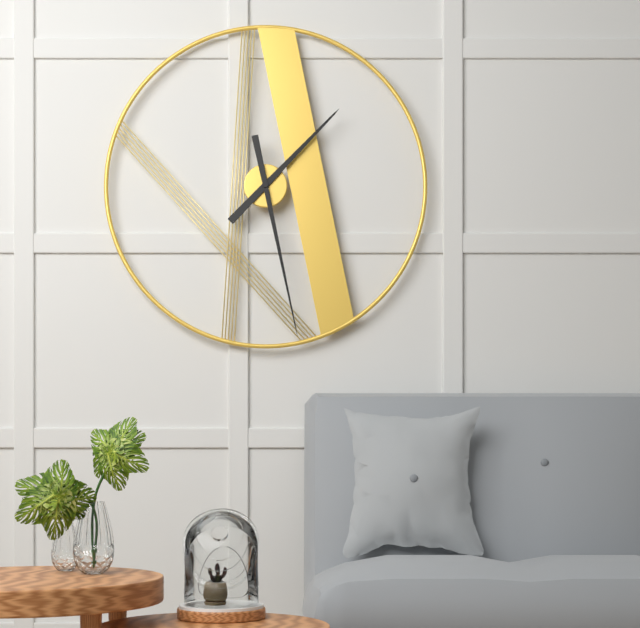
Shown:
1h28
